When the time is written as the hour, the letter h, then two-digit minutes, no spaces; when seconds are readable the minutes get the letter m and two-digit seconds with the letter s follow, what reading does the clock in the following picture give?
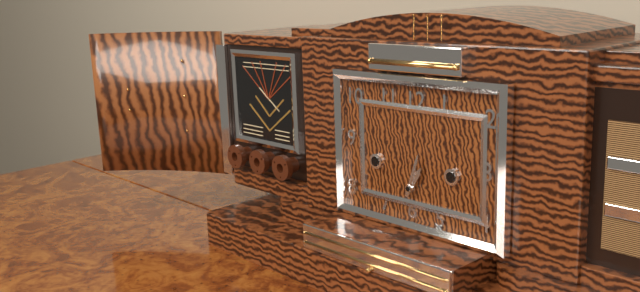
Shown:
1h03
